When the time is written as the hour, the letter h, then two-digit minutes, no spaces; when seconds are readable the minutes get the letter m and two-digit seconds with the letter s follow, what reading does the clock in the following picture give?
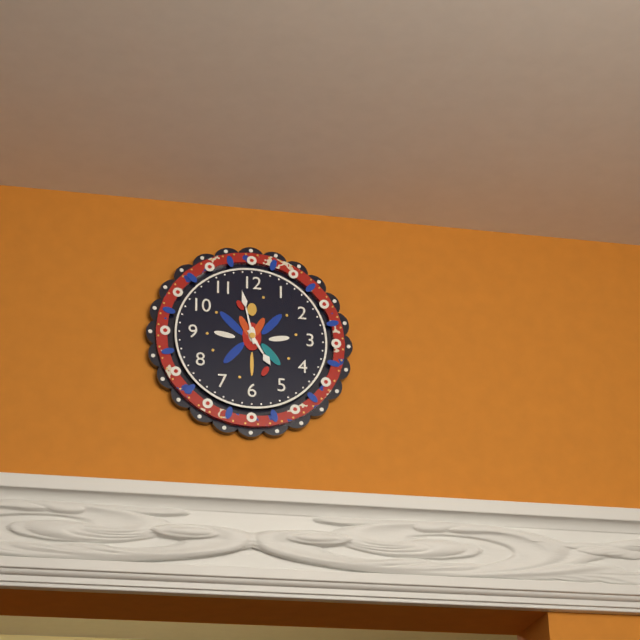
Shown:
4h58
